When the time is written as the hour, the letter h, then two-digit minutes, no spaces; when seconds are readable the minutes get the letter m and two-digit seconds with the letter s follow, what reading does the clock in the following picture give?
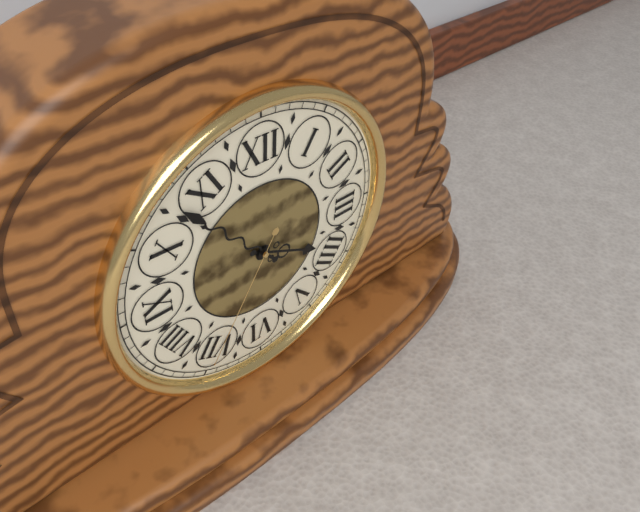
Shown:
3h53m35s
